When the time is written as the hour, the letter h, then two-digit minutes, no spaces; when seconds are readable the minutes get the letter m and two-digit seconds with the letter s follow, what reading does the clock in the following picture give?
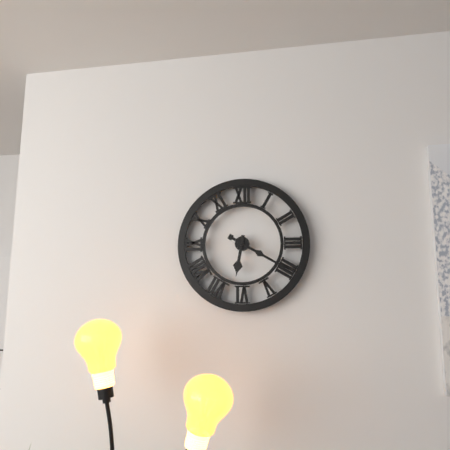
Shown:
6h20
